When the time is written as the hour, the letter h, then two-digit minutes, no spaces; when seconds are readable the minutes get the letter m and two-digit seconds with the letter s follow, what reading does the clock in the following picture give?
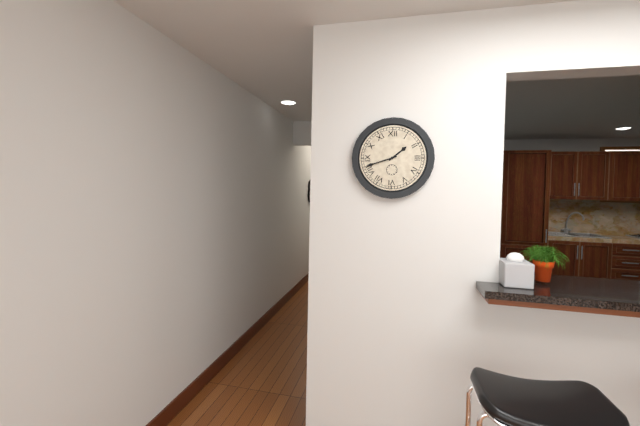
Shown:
1h42
